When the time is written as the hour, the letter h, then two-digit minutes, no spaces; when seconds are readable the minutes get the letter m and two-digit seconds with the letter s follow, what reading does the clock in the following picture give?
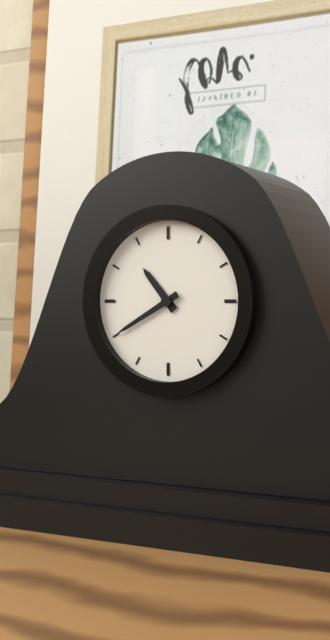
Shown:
10h40
